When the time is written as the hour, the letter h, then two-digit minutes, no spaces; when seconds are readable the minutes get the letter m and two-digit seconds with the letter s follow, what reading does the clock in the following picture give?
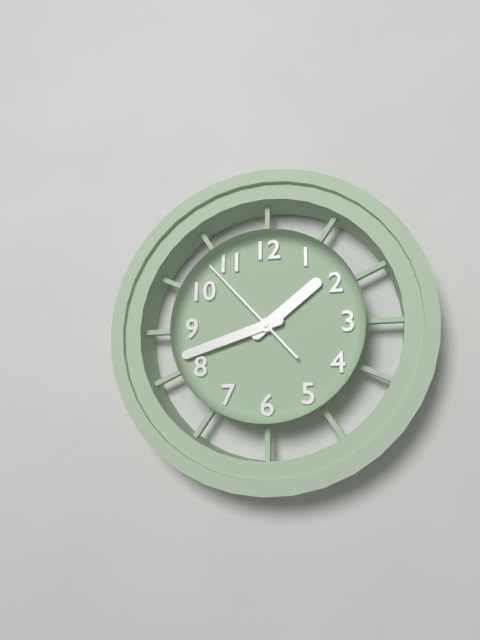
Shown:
1h42m53s
